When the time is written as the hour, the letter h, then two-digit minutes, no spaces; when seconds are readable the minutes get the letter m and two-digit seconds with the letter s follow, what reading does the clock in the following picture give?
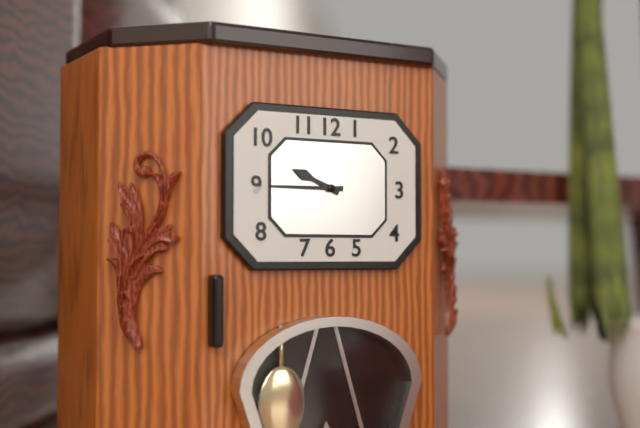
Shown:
9h45
